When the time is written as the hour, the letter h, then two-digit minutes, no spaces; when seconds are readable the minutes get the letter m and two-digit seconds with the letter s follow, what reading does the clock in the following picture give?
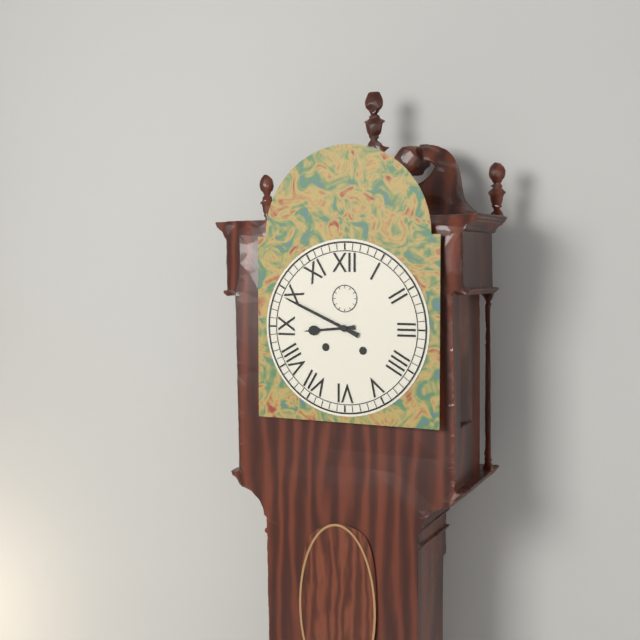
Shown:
8h49
